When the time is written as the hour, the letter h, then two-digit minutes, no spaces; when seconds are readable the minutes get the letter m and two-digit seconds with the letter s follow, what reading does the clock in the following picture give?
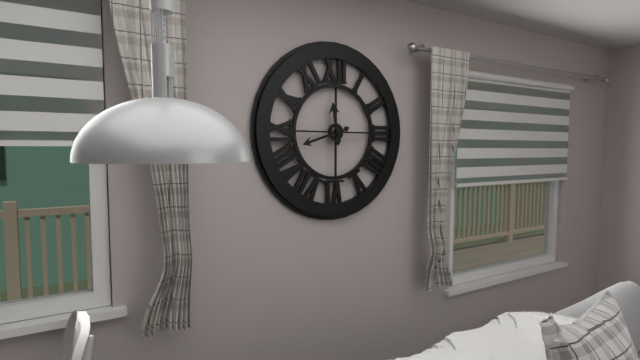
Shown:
11h42
